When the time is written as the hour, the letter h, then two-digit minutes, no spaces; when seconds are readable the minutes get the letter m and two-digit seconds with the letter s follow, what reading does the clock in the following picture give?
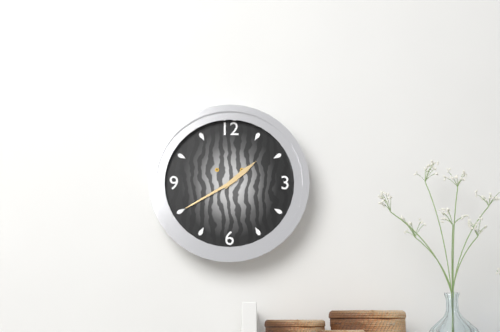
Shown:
1h40
